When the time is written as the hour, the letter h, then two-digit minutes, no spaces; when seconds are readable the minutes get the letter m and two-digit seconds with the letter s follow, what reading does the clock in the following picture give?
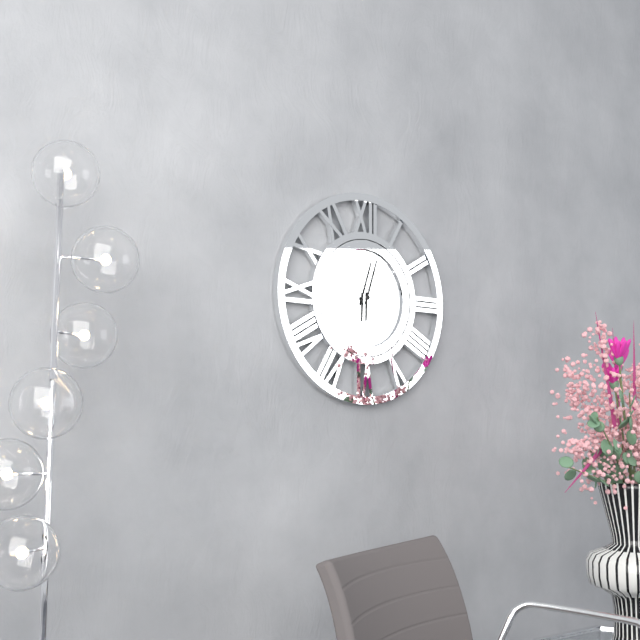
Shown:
6h03
